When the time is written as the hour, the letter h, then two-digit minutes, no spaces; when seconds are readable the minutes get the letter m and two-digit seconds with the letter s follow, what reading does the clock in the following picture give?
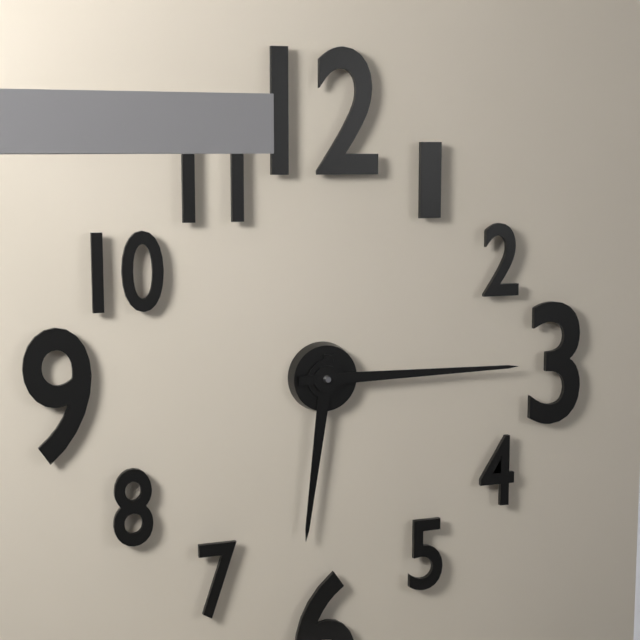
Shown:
6h15
